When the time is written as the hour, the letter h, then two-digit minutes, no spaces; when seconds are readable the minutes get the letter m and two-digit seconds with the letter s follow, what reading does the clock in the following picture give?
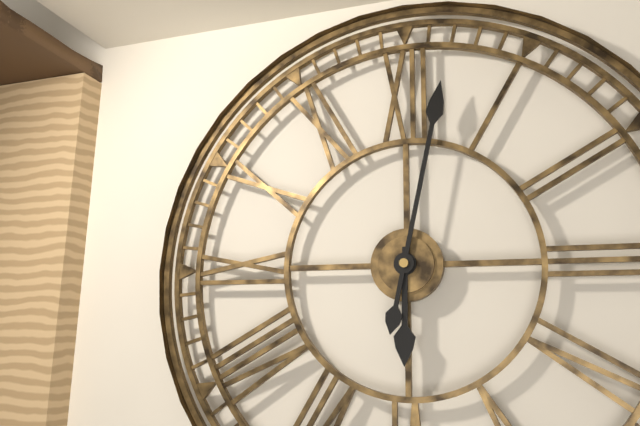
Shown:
6h02
